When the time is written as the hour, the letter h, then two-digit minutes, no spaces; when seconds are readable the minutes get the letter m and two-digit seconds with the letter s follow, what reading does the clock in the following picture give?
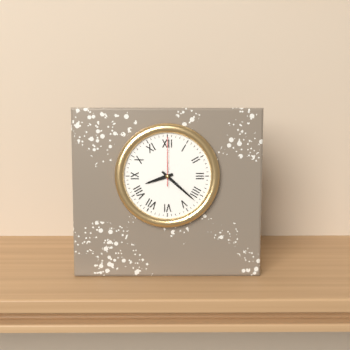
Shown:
8h22
